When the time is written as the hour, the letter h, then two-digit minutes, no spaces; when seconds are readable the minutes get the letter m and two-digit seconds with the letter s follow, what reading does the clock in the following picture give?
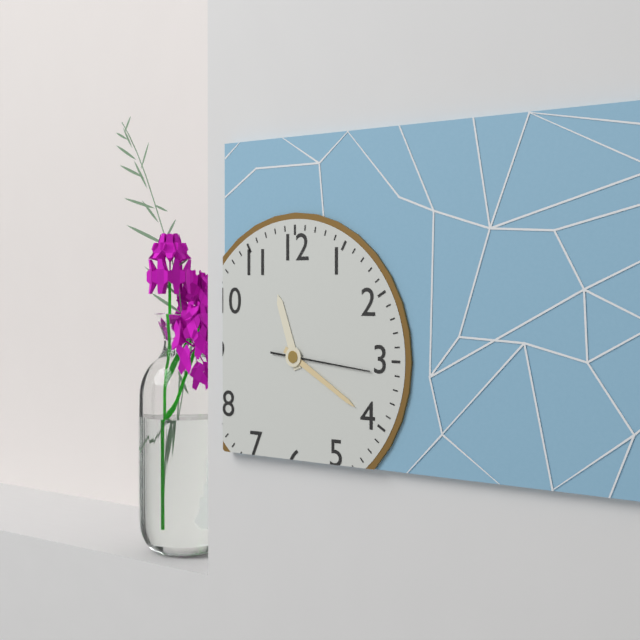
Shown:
11h20m16s
